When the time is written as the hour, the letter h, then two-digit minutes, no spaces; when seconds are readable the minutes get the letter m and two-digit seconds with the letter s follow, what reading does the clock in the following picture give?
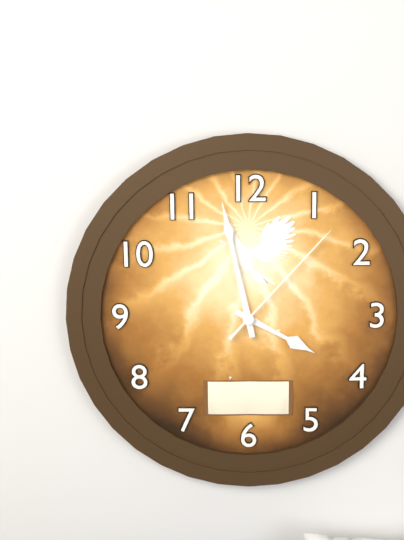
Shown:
3h58m07s
